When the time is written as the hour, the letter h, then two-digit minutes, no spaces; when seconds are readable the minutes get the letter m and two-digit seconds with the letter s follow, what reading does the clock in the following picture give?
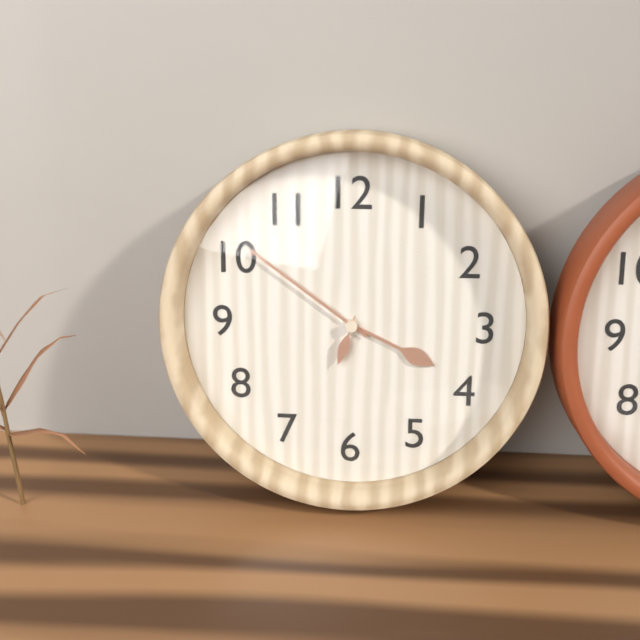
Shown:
3h51m33s
